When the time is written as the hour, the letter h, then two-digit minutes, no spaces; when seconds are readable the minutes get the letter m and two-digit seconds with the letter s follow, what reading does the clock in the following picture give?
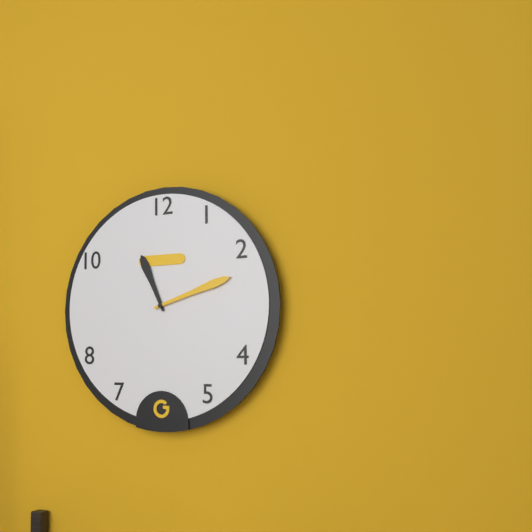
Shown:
11h12
